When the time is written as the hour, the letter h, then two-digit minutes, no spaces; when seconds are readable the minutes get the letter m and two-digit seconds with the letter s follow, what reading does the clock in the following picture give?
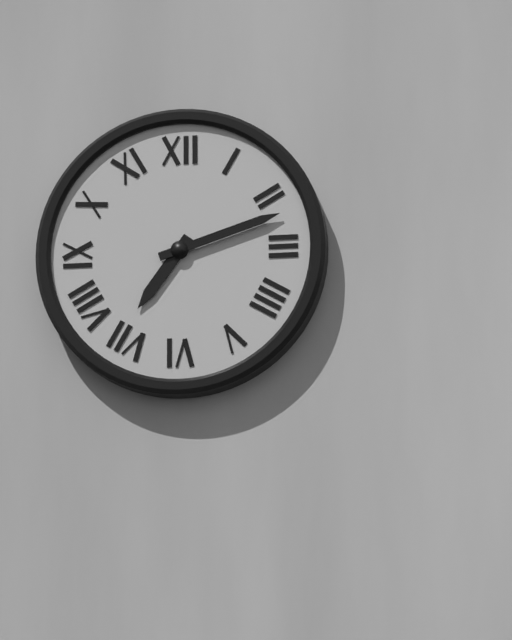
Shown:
7h12
